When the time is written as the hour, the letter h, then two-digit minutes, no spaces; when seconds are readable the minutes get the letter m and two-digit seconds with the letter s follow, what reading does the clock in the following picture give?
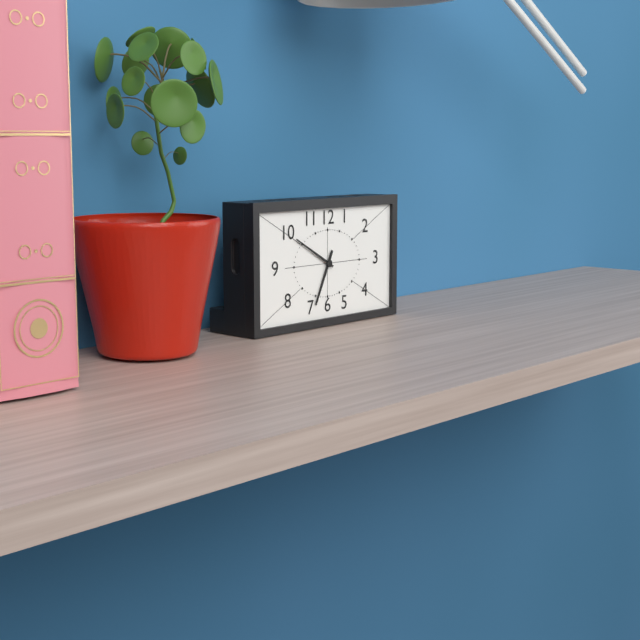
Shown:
6h50
